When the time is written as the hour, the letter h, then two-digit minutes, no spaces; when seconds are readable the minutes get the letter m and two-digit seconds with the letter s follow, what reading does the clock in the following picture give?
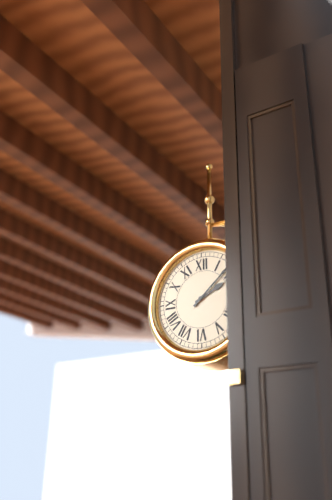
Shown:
2h08
